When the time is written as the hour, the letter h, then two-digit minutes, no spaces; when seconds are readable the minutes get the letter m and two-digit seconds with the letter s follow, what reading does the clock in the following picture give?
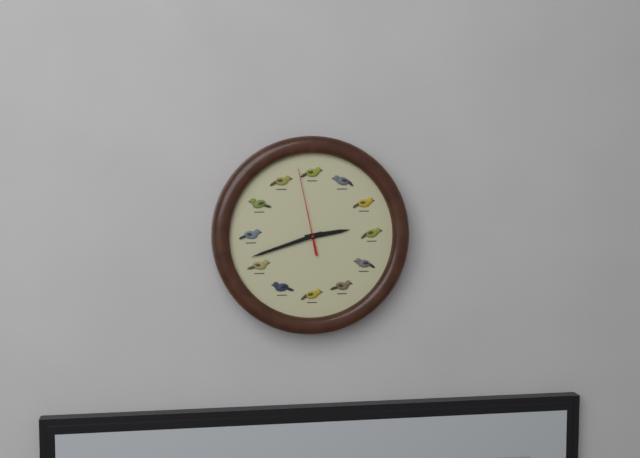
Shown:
2h42m58s
